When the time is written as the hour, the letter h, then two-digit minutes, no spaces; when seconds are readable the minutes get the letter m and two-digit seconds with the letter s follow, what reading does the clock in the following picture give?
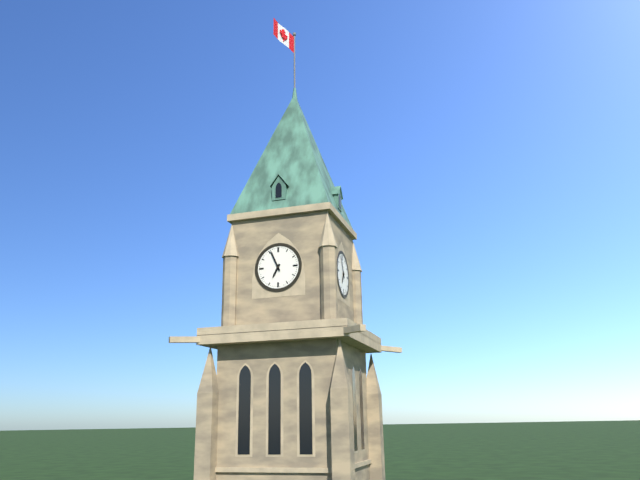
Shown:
6h56
